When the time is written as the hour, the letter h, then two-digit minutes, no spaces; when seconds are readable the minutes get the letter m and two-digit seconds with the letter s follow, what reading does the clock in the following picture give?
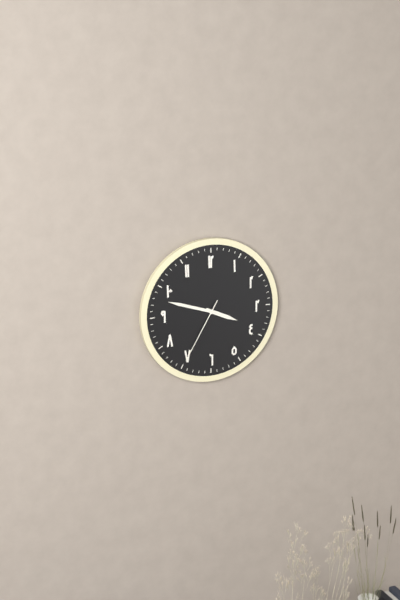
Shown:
3h48m35s
